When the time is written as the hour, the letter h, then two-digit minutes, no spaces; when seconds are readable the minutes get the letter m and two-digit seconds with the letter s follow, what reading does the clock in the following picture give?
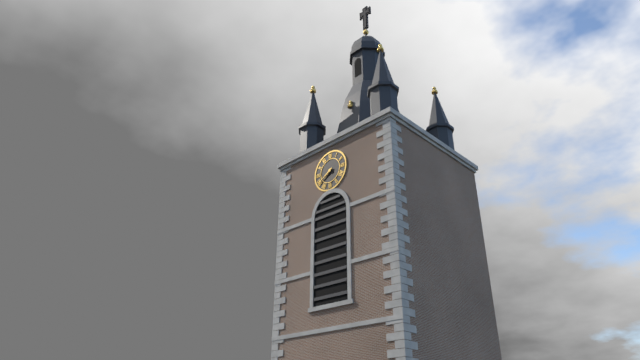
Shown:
7h40
